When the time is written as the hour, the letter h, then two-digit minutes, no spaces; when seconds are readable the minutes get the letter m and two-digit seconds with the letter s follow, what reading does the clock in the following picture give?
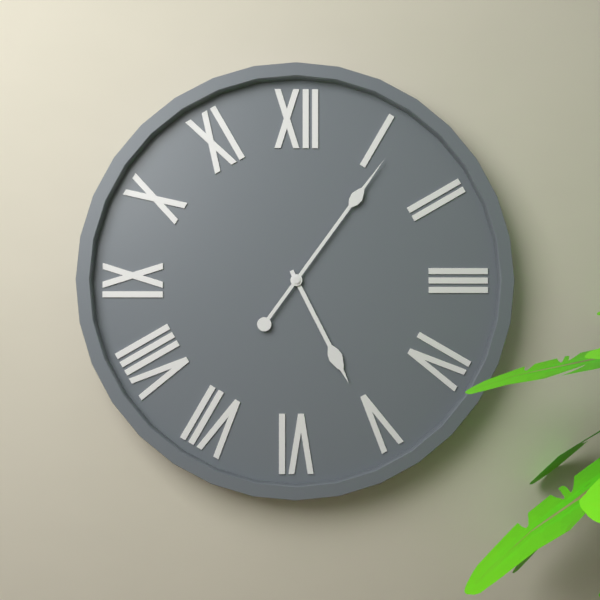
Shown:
5h06
